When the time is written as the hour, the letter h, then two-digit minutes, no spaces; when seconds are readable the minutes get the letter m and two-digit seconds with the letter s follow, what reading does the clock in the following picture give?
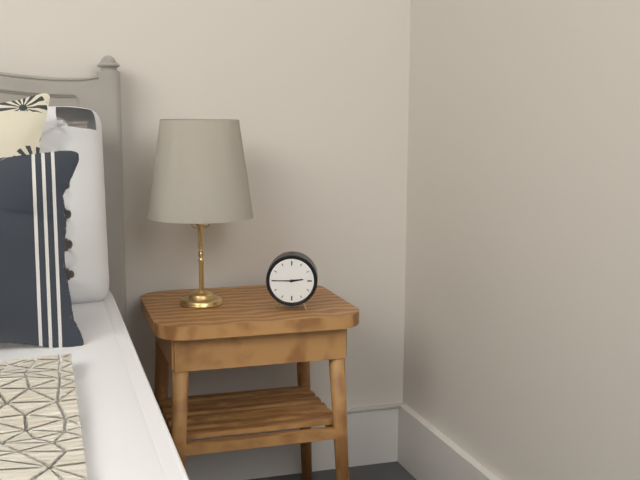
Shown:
2h45
